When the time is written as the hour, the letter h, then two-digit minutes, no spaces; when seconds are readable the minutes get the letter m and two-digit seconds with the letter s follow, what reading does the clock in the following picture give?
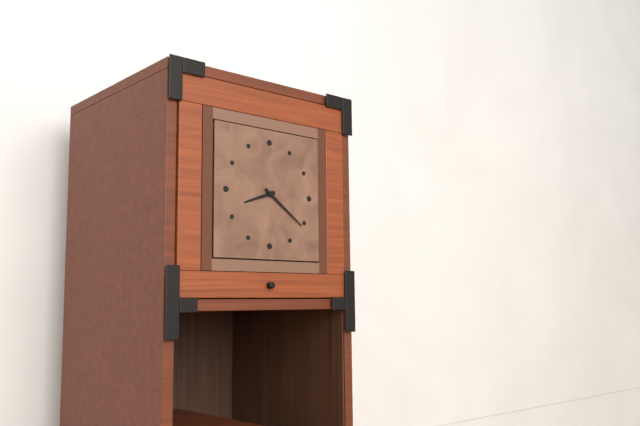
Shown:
8h21
